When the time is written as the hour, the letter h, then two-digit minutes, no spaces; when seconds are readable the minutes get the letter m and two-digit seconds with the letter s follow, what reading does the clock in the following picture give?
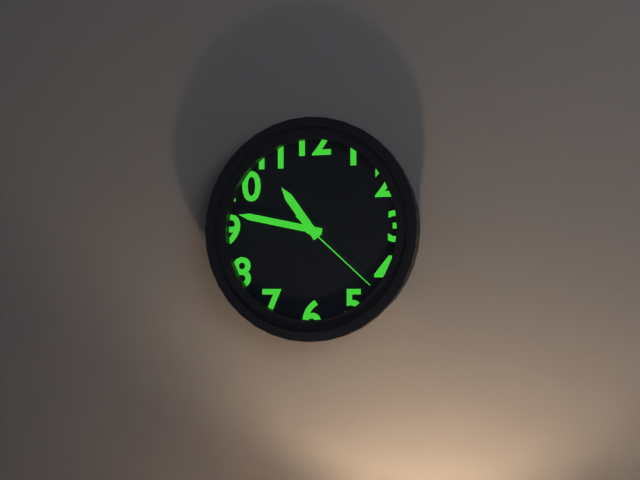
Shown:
10h47m22s
